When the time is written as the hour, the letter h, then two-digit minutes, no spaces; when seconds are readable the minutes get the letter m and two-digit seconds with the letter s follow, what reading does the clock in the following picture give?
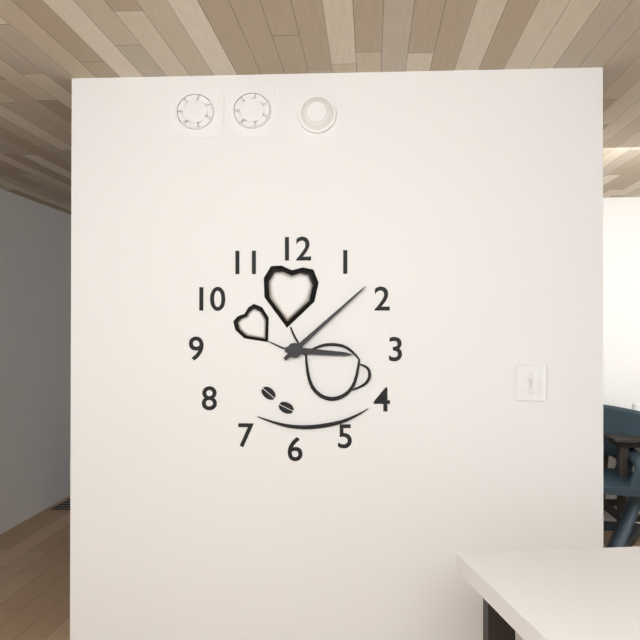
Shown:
3h08
